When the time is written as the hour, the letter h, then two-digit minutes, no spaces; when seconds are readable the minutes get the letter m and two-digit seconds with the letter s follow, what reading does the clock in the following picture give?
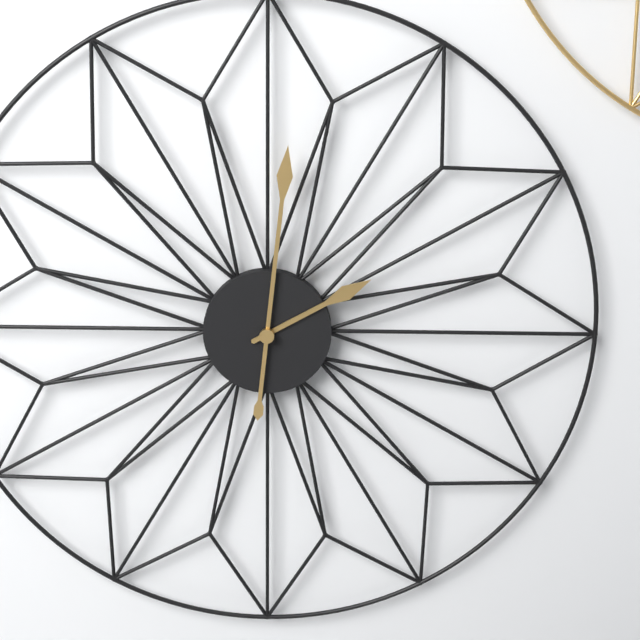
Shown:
2h01
